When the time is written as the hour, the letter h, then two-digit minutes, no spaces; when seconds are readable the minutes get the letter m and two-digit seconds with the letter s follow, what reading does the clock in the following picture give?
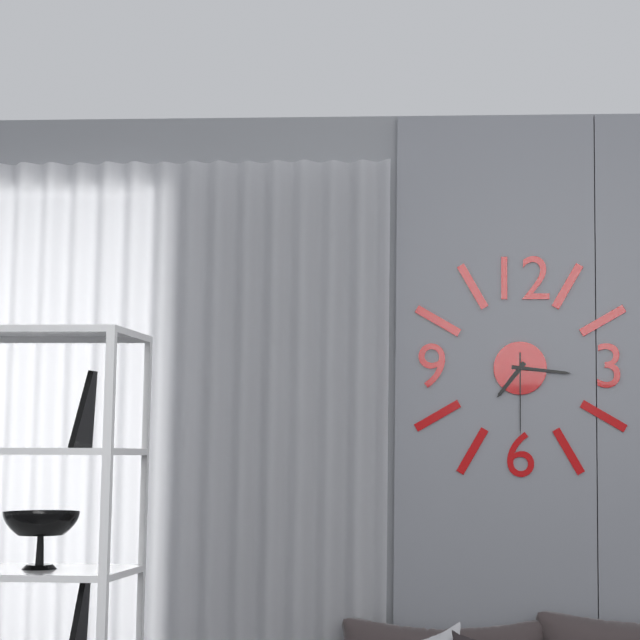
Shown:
7h16m30s
